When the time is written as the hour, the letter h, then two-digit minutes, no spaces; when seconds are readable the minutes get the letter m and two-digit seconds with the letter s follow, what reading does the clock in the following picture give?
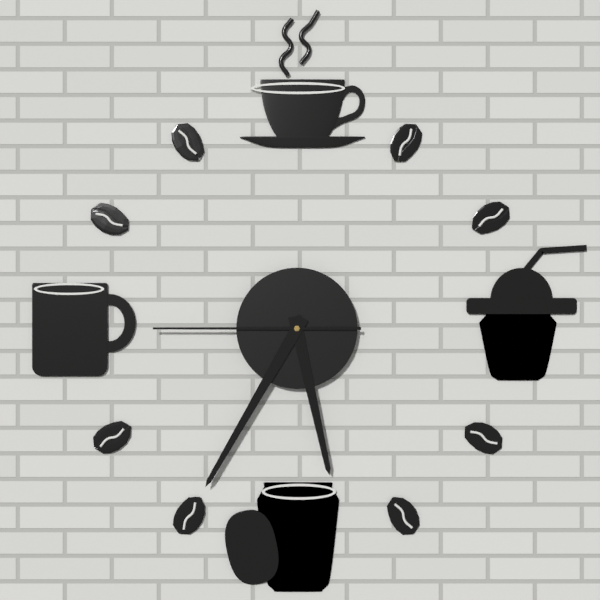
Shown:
5h35m45s
